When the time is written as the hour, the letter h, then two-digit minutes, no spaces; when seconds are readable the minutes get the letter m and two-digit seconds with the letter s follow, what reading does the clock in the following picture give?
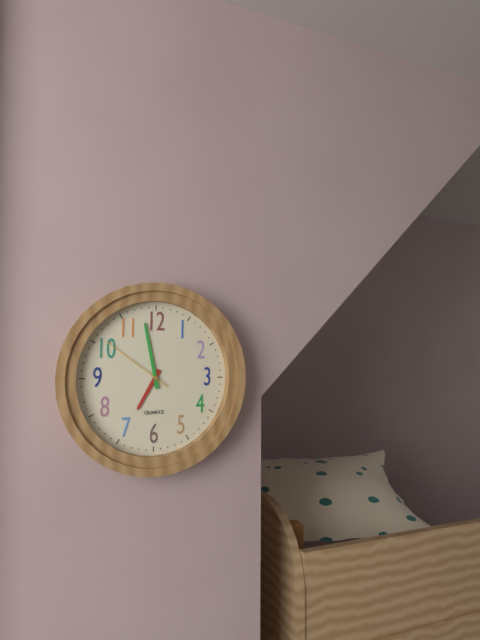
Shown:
6h58m51s
